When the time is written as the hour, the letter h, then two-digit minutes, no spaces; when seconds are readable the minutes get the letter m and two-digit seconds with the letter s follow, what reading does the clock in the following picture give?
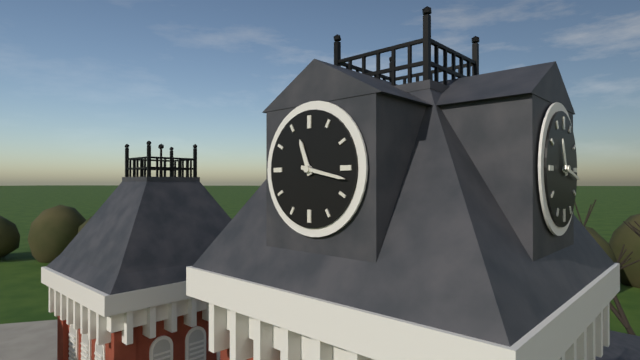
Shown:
11h17
